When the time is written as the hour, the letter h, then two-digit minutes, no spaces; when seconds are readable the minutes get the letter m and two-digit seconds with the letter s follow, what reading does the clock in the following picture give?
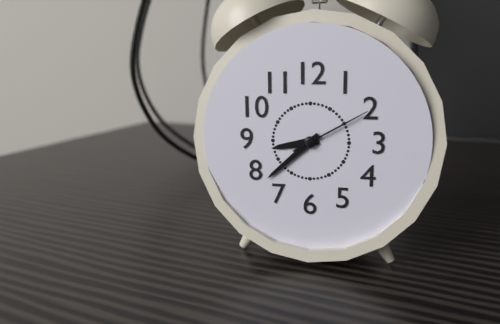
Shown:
8h38m10s
